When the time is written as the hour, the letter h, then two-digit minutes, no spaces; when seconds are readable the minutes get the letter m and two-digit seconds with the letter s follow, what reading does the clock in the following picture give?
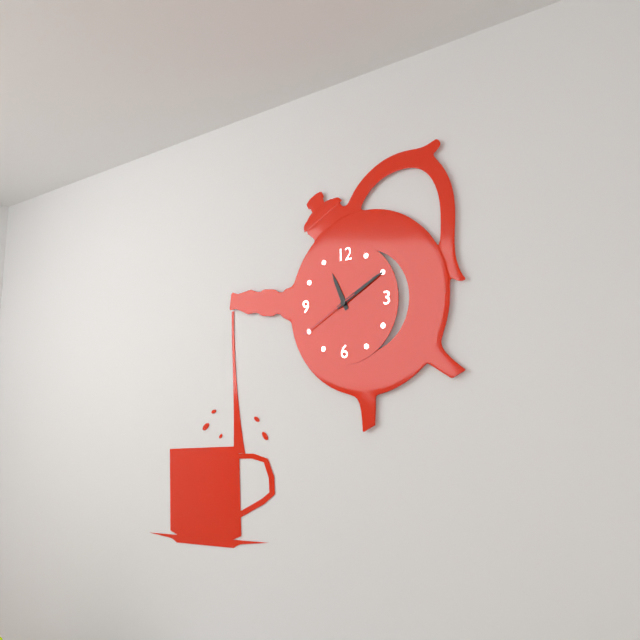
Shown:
11h10m40s
